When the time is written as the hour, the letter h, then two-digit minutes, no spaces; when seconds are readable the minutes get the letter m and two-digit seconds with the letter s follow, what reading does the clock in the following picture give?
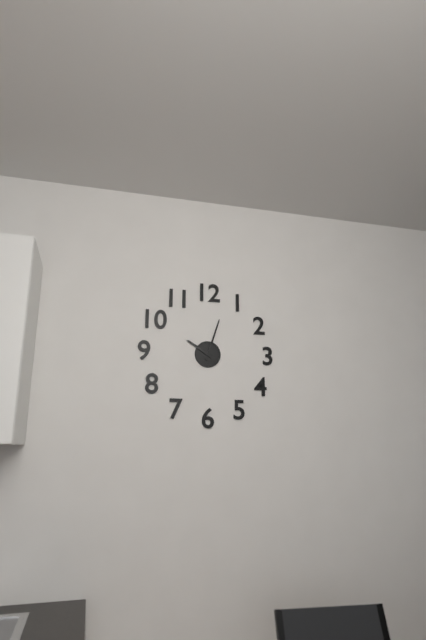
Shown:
10h03
